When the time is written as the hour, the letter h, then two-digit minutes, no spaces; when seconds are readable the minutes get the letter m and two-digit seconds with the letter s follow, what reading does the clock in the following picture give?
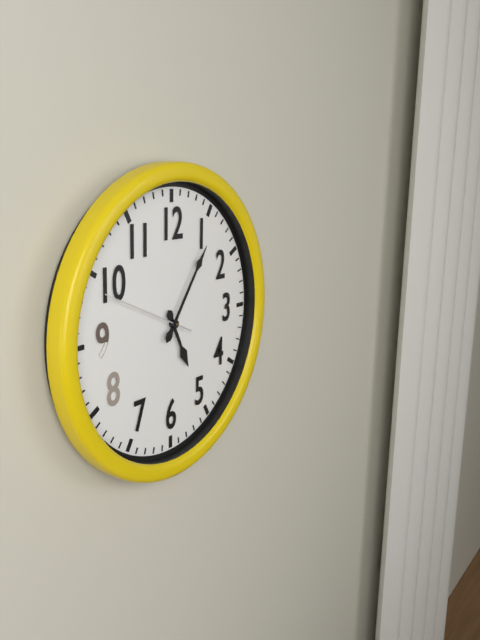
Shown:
5h06m49s
